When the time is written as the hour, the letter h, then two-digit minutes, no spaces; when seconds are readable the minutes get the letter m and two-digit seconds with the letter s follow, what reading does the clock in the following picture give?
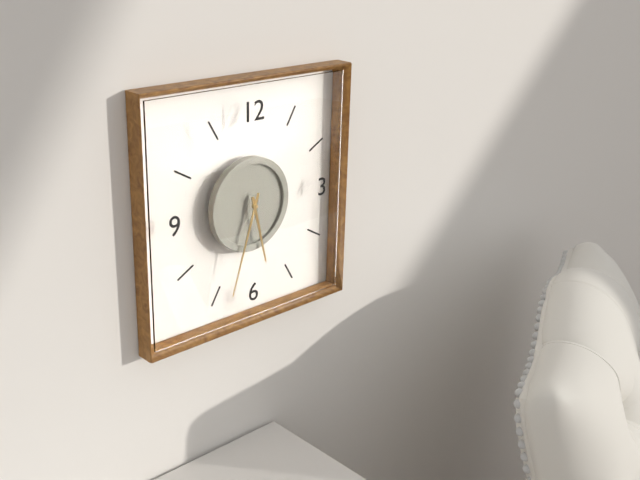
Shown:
5h33
